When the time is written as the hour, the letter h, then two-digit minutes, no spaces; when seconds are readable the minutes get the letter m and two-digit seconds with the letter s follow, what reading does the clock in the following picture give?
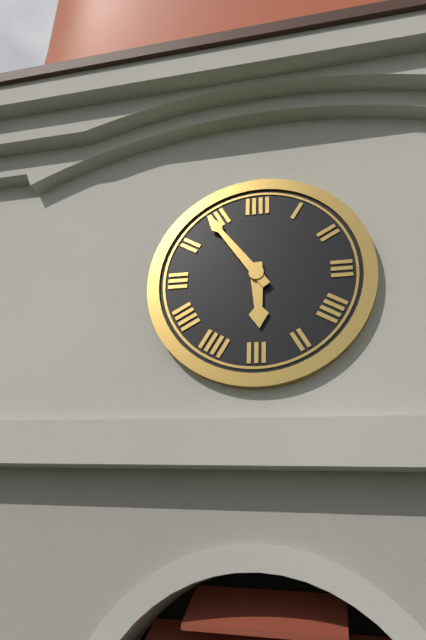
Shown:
5h54
